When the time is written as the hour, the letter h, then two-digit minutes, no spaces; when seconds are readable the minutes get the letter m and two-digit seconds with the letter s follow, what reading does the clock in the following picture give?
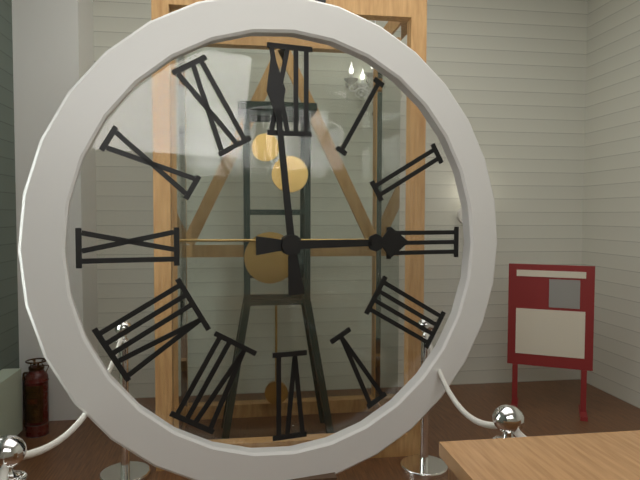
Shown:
2h59
